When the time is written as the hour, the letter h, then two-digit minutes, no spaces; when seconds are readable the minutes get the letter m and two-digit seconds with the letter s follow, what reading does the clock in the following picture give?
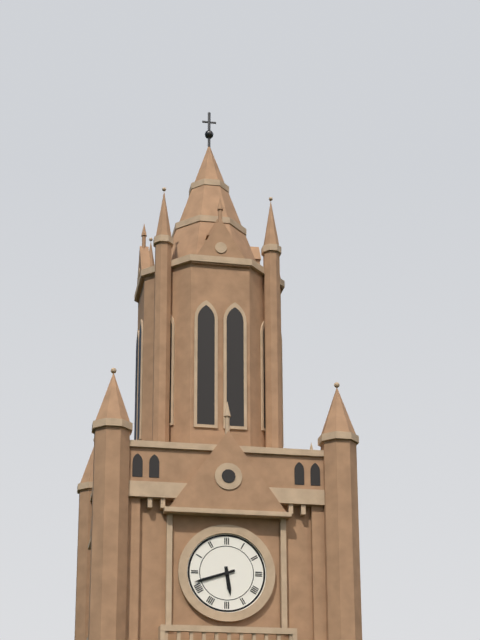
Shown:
5h42
